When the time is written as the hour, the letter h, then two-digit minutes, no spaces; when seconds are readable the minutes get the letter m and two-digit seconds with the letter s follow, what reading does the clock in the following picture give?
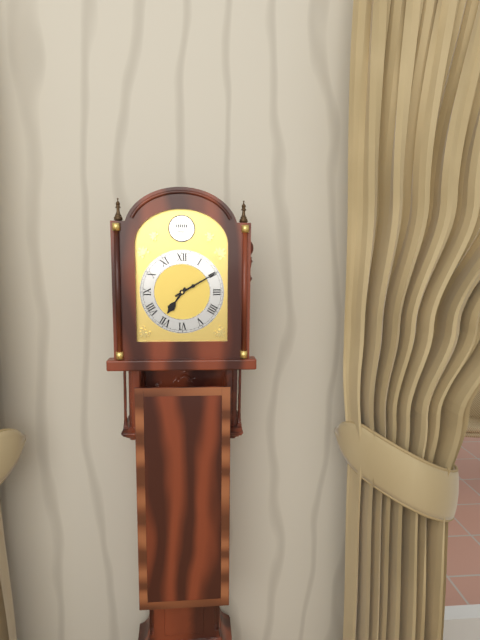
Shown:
7h10
